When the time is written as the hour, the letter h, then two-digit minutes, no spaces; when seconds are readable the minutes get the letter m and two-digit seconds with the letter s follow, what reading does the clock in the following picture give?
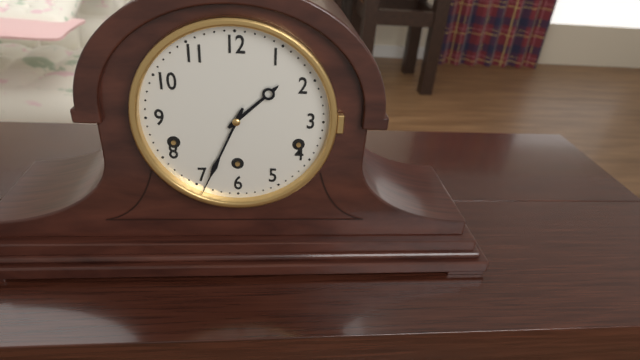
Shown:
1h34
